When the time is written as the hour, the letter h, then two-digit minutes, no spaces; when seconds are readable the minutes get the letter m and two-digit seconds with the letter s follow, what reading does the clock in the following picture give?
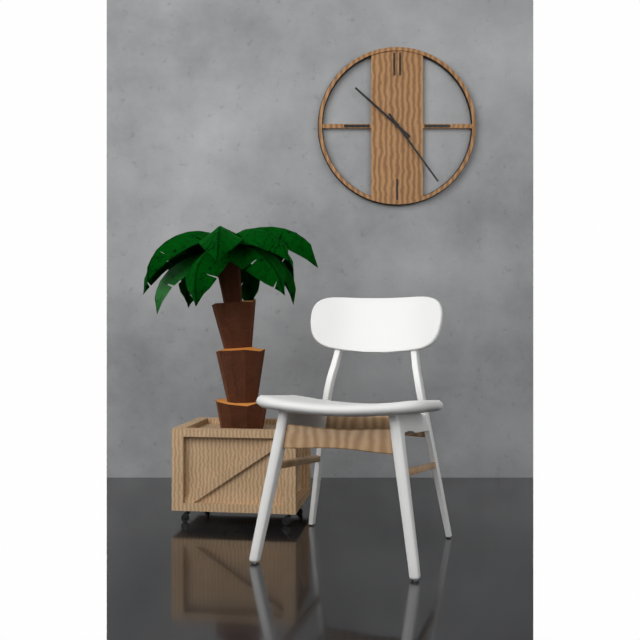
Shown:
10h24
